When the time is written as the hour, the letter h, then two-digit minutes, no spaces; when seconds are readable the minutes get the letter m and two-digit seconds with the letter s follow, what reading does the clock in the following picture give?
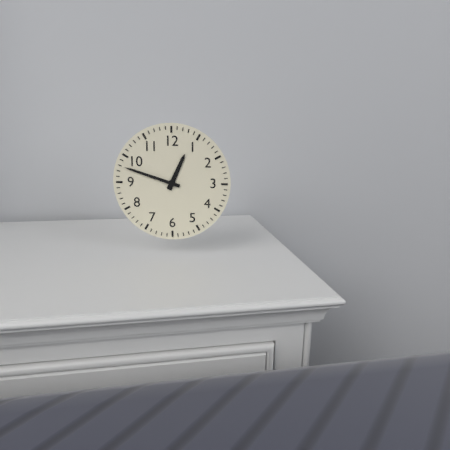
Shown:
12h48
